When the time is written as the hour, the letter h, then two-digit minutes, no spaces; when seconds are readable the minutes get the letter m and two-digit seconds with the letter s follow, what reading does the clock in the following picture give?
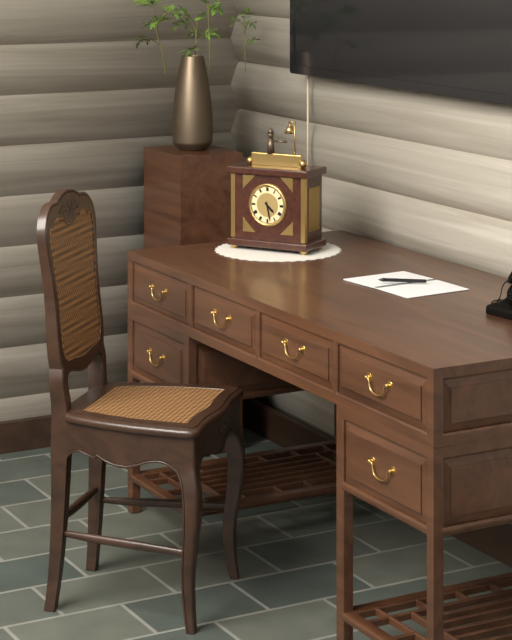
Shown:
4h28
